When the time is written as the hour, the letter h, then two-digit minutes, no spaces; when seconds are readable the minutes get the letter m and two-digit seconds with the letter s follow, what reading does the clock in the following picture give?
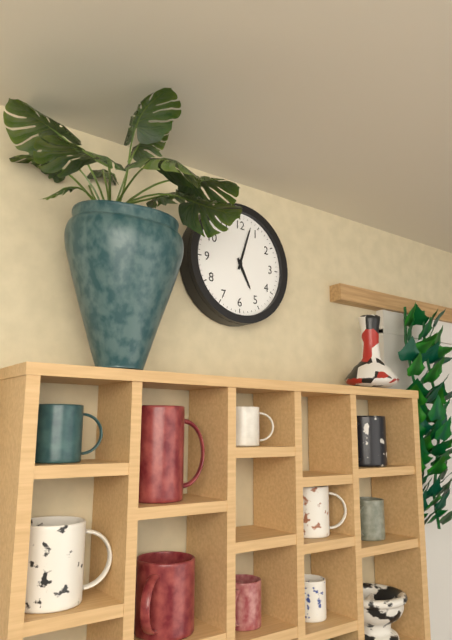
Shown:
5h03
